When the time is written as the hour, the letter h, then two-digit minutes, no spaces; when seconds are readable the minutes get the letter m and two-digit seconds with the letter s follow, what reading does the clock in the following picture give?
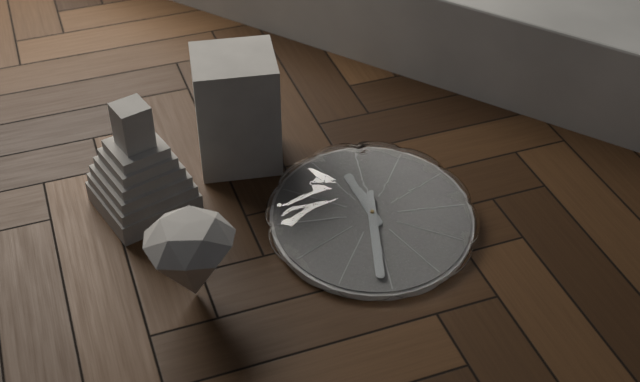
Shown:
11h31
